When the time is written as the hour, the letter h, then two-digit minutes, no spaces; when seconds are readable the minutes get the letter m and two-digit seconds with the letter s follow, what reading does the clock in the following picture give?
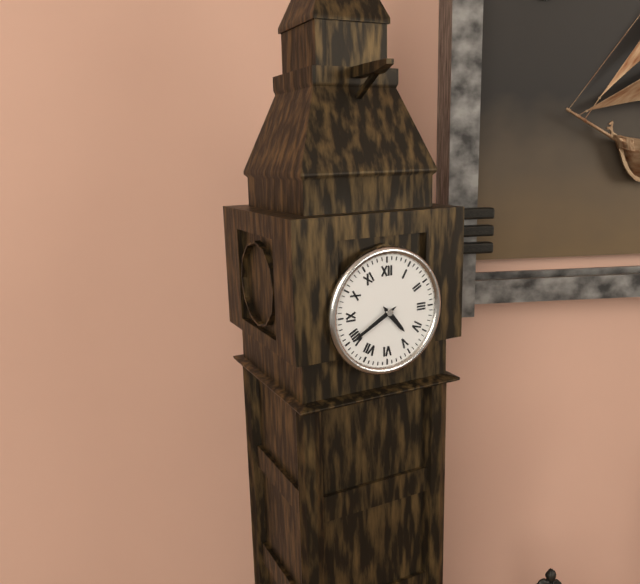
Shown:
4h40
